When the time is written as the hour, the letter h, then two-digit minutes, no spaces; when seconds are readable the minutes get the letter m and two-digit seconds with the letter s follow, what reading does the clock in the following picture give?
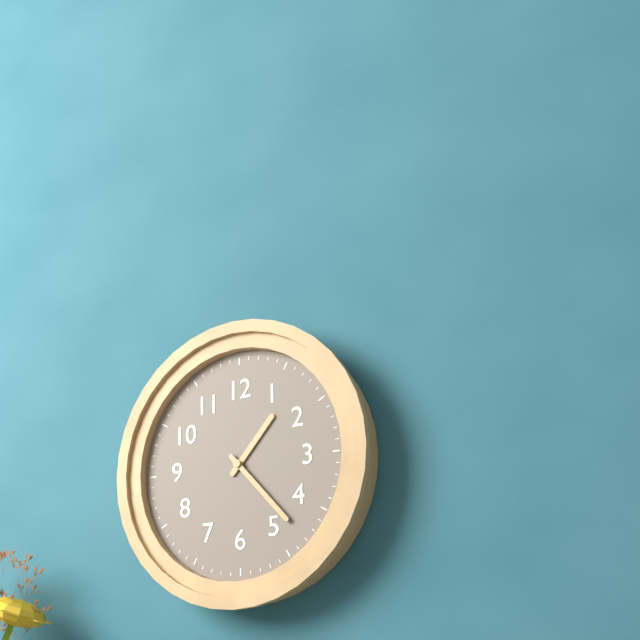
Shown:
1h23
